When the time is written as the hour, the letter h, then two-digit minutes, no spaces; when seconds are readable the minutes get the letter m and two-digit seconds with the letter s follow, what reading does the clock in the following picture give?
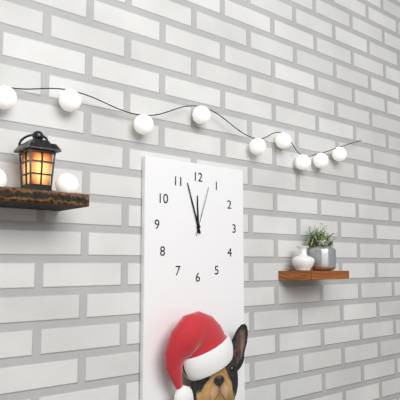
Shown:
11h57m03s
